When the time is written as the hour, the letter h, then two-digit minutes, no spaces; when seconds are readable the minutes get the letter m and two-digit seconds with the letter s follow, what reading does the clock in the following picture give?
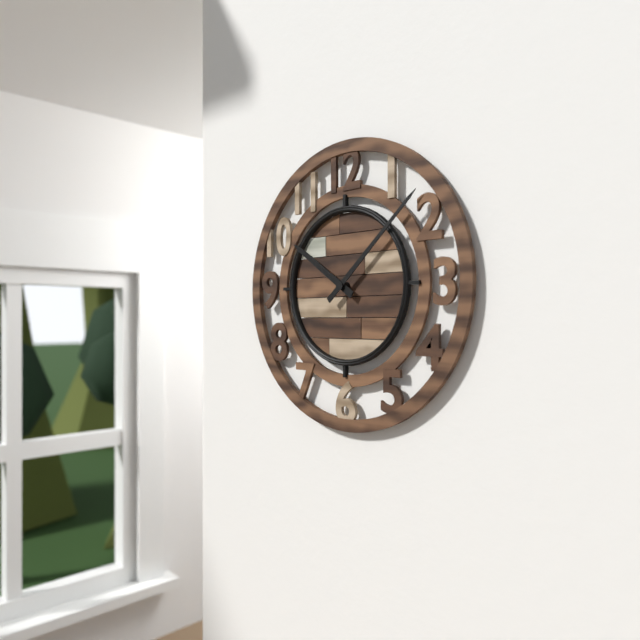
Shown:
10h08
